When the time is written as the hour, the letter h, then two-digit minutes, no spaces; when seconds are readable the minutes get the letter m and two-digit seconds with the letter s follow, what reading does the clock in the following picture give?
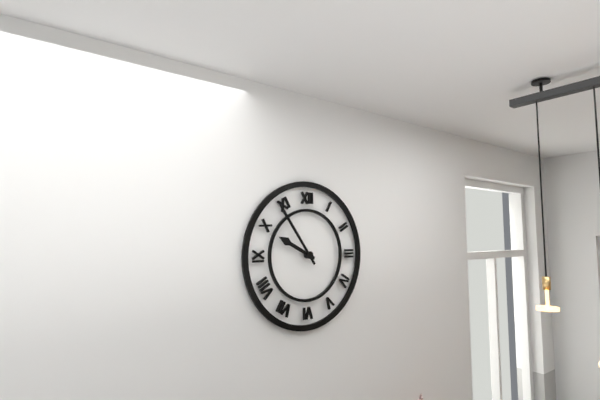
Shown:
9h54
